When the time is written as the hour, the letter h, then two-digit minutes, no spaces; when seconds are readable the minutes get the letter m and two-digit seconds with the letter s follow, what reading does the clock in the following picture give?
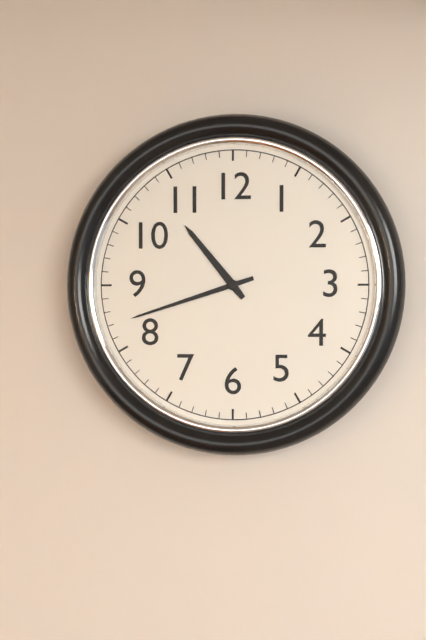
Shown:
10h42
